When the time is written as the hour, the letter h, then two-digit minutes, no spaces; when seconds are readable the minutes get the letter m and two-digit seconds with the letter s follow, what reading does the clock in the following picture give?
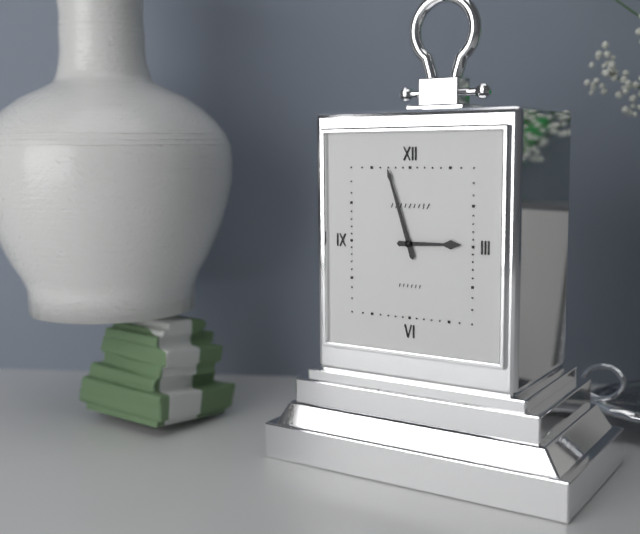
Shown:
2h57
